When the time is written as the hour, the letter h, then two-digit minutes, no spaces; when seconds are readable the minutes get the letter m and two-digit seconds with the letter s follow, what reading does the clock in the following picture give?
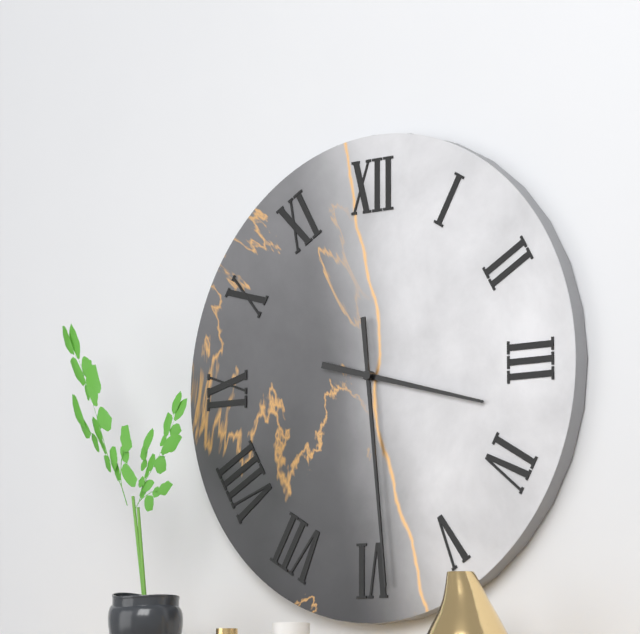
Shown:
3h29
